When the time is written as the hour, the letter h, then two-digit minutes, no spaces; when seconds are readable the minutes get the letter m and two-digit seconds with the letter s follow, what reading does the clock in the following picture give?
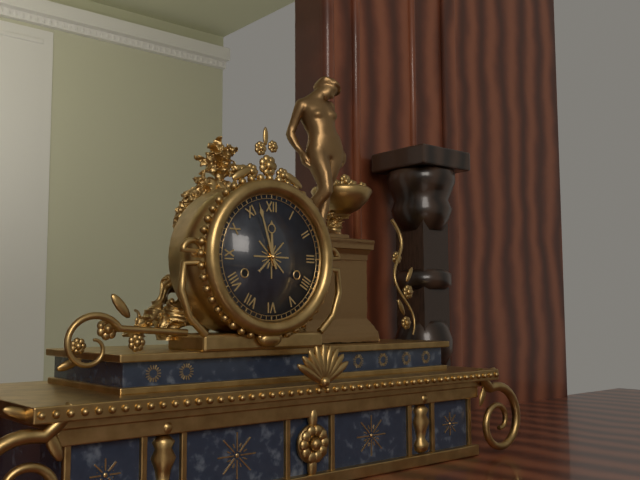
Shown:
11h57
